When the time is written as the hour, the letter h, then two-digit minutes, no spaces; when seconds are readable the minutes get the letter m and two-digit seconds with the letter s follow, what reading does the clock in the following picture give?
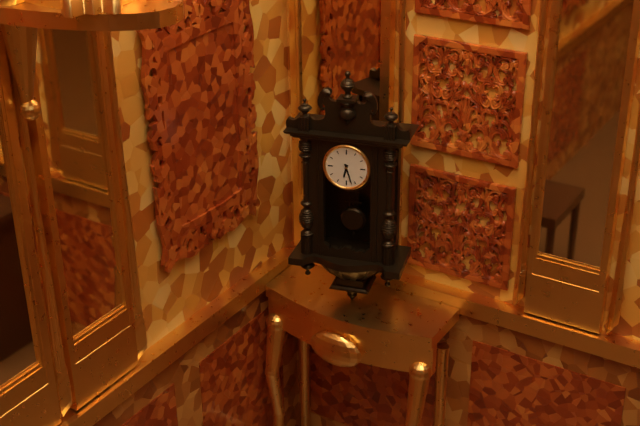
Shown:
6h27
